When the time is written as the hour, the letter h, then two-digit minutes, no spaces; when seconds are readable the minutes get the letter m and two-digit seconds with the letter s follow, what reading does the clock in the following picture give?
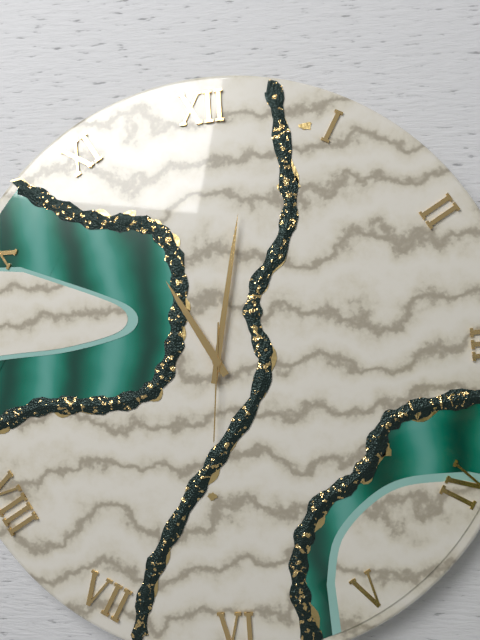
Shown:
11h02m31s
